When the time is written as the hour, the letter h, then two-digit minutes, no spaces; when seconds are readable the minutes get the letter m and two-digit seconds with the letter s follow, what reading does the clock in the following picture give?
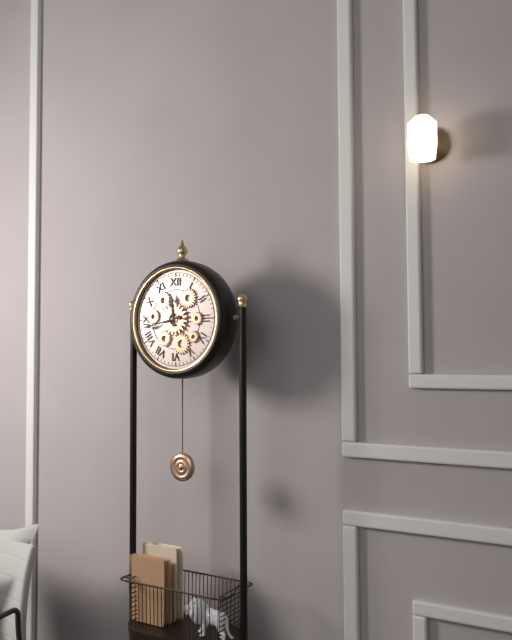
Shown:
11h43
